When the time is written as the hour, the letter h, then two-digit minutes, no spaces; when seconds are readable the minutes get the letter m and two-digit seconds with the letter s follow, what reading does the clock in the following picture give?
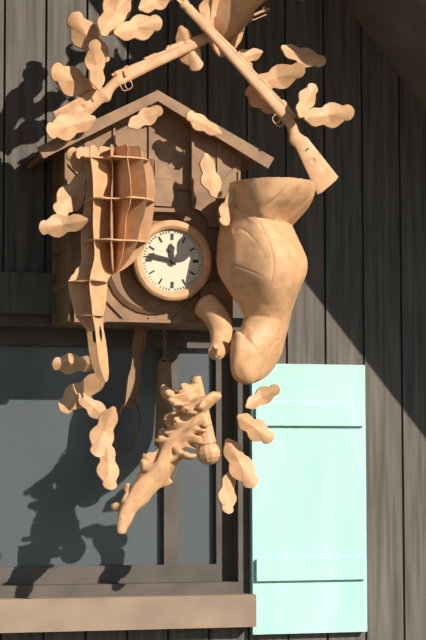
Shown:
11h47
